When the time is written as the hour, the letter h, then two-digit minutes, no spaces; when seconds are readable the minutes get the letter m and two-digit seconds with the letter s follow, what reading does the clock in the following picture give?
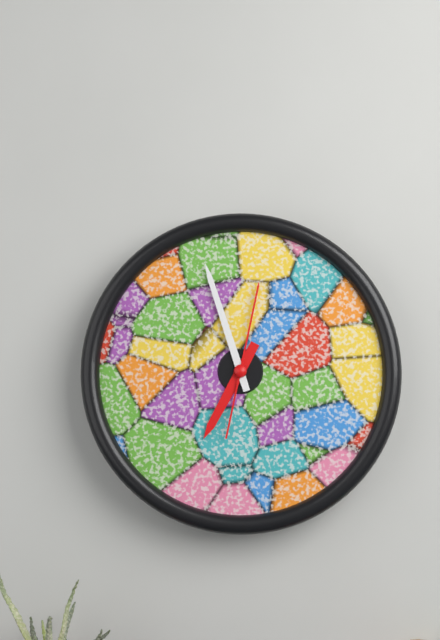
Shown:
6h57m02s
